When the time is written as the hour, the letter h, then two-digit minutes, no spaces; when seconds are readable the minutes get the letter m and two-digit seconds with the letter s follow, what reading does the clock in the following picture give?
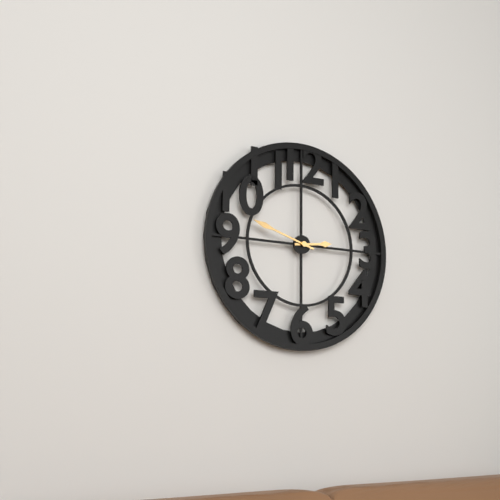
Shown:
2h48
